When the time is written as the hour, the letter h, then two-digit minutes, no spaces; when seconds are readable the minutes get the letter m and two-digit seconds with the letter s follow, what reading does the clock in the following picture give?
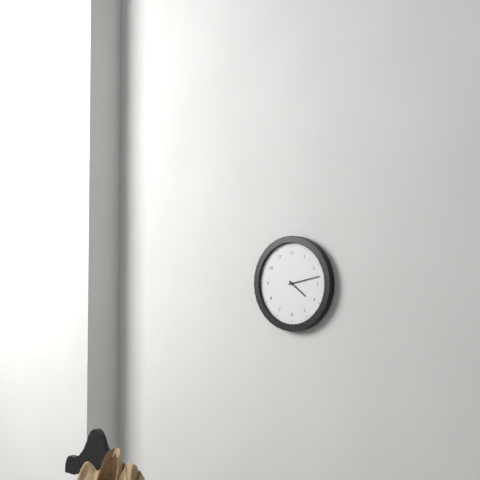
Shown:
4h13
